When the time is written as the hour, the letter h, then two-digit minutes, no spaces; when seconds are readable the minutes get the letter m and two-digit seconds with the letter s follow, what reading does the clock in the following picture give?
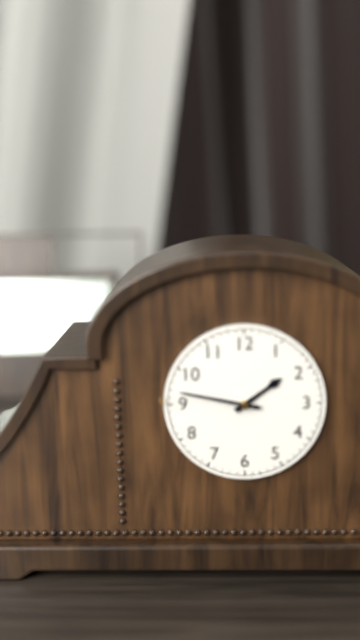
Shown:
1h47
